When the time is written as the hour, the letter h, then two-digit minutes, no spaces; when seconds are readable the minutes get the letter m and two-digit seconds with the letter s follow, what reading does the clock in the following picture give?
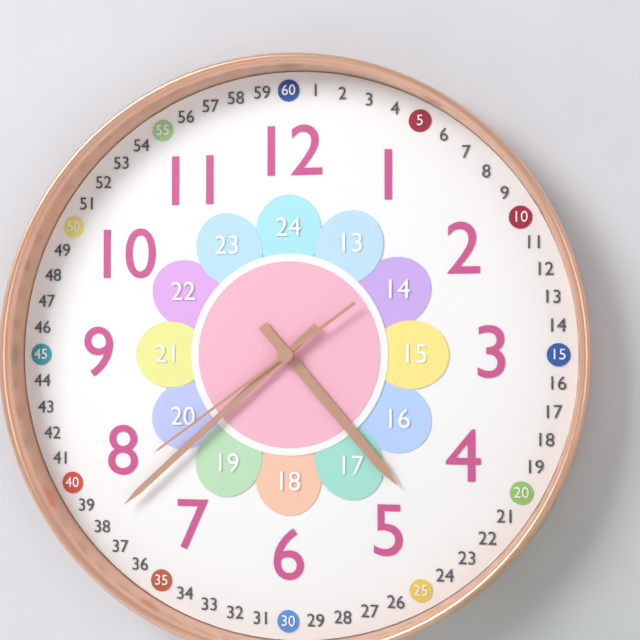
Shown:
4h38m39s
